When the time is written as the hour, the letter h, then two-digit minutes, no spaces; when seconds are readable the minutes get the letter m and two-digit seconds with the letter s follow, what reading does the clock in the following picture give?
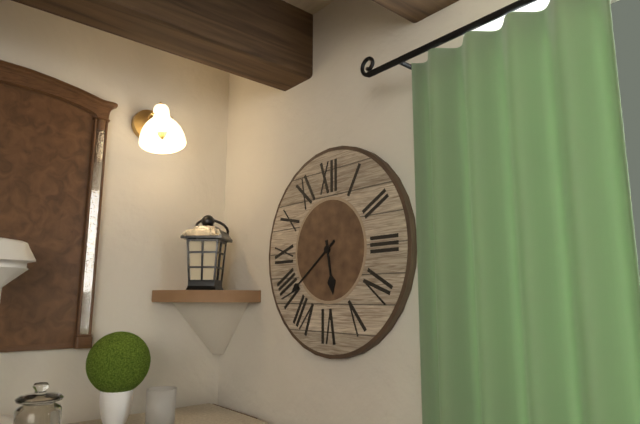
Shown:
5h39
